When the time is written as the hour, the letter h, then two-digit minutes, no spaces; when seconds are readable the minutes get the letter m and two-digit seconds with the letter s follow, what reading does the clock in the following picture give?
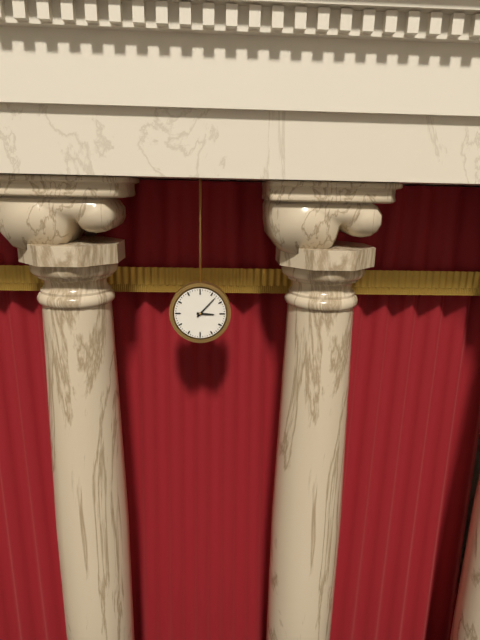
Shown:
3h07
